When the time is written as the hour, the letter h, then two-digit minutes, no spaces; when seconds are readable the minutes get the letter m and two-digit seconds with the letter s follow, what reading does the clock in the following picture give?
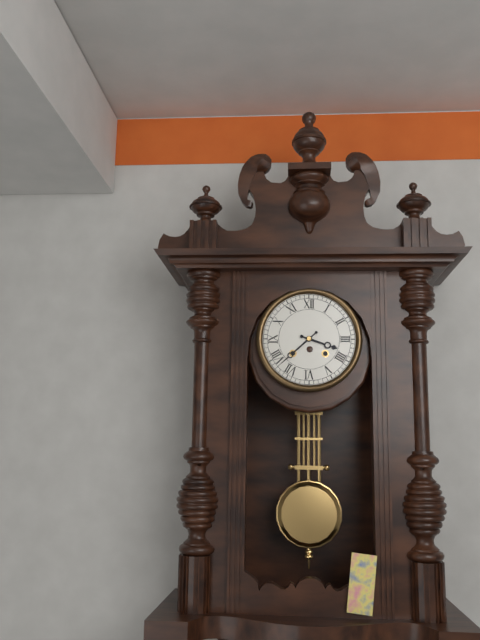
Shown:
3h38
